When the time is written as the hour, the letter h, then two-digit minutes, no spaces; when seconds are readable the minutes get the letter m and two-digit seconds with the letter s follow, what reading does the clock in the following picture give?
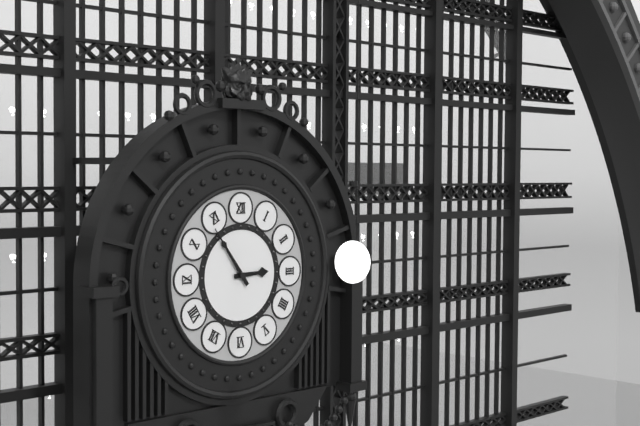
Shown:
2h54
